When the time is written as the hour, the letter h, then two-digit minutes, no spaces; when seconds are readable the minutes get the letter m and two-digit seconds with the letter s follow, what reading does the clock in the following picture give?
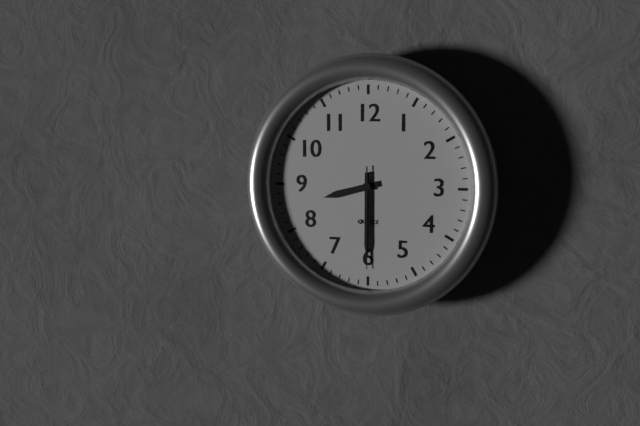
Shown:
8h30m30s
